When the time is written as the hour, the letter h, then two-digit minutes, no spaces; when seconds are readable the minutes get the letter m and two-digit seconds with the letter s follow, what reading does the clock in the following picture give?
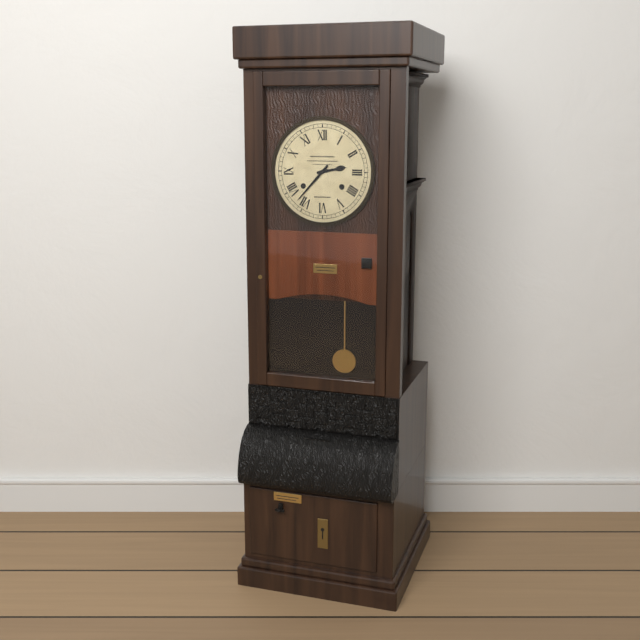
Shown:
2h37
